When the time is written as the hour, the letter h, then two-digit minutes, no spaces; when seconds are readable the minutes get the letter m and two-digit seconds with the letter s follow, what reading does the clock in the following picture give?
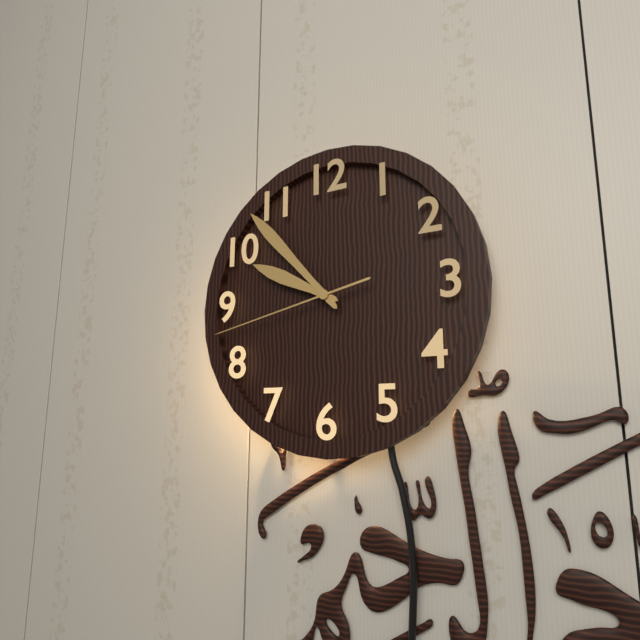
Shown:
9h53m43s
